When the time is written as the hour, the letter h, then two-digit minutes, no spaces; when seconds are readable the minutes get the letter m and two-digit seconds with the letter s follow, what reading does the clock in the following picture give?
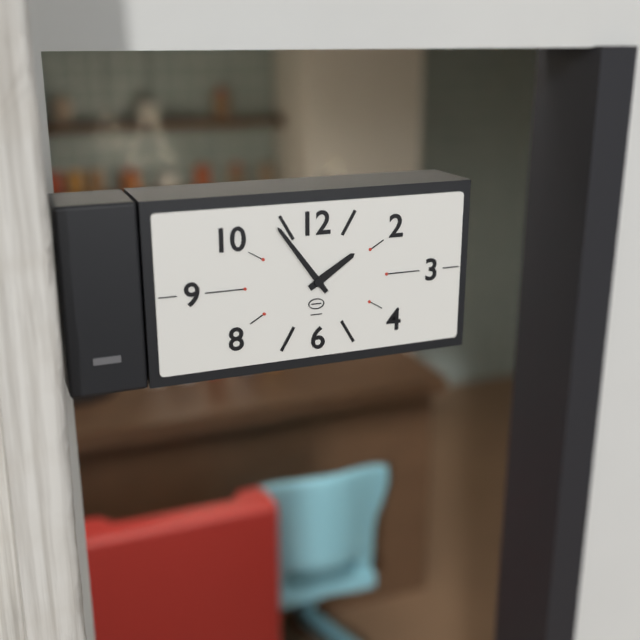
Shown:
1h54
